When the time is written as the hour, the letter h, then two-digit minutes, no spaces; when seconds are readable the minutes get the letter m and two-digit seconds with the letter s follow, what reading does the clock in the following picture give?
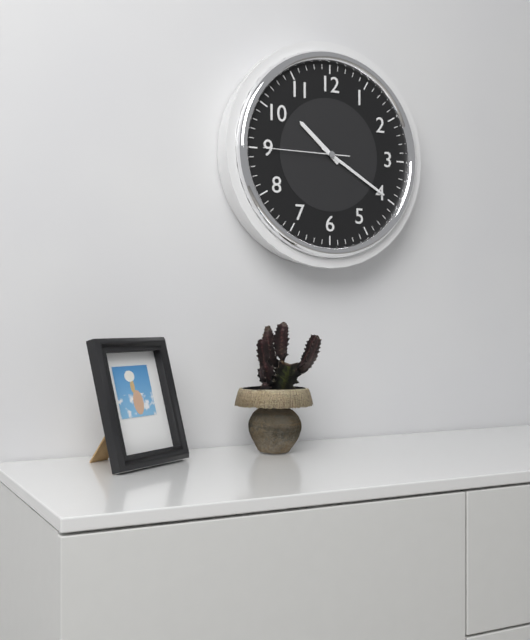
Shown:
10h20m45s
